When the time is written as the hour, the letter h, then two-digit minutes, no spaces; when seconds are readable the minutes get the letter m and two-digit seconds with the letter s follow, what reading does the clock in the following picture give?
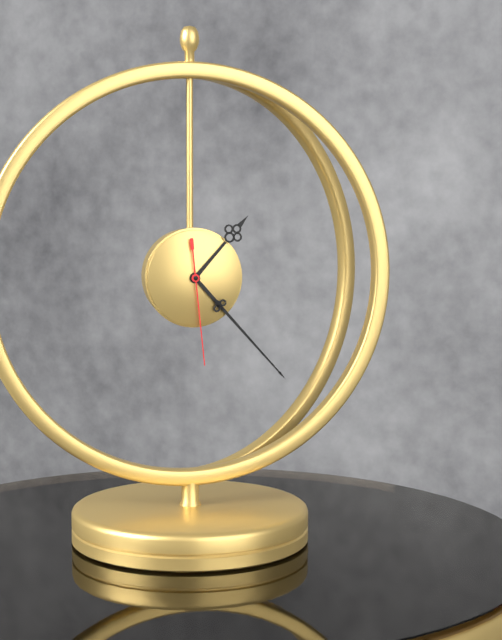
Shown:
1h23m29s
